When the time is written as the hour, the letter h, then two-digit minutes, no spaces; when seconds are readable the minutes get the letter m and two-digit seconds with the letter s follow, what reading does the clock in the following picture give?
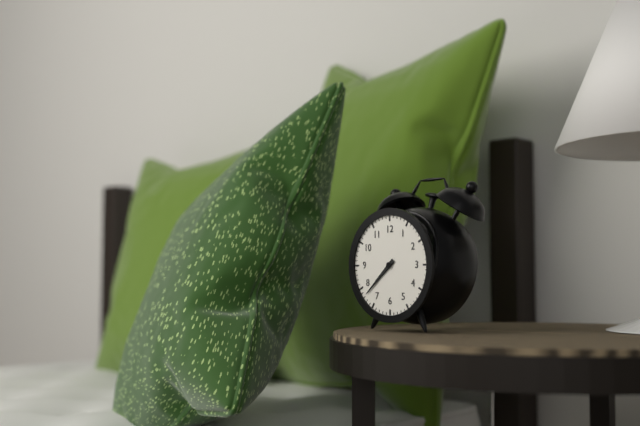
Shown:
7h38
